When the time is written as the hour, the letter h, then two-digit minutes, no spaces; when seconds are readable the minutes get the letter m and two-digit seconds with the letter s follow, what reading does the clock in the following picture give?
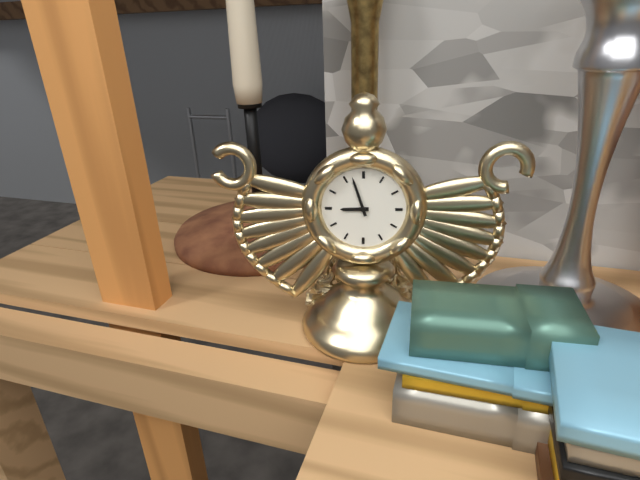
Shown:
8h57
